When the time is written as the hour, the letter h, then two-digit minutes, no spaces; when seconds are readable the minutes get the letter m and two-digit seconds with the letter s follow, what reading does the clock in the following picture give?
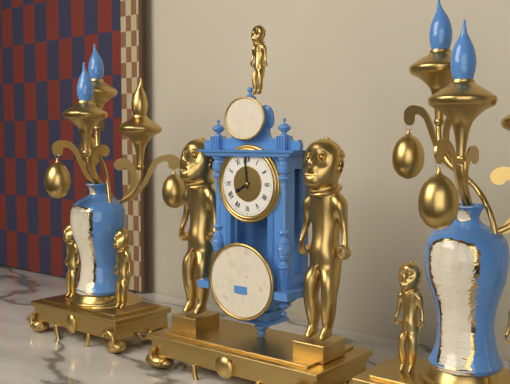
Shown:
7h59
